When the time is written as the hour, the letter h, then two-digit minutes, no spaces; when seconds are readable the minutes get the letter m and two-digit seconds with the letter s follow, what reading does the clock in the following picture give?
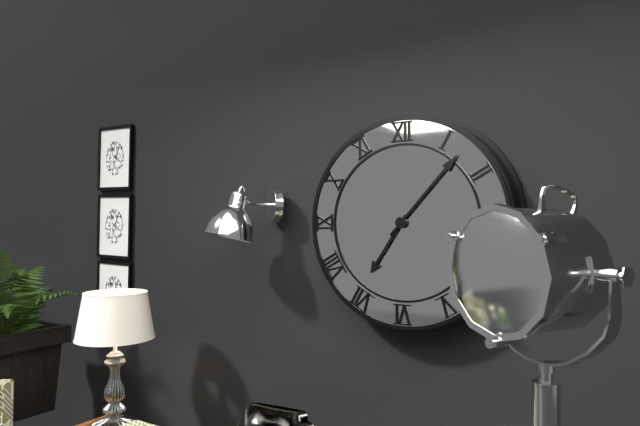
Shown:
7h07
